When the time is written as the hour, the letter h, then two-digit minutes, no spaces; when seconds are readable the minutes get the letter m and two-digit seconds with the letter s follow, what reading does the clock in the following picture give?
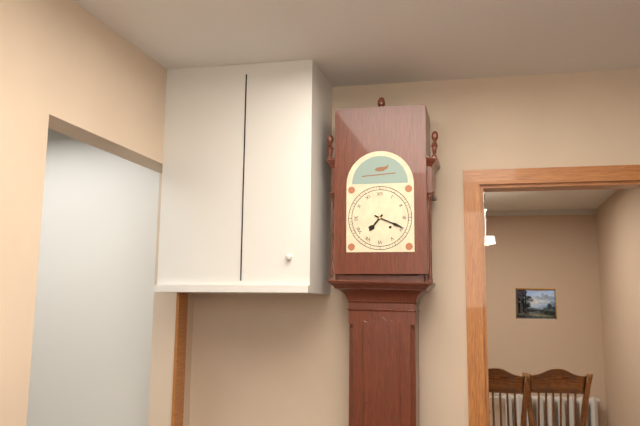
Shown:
7h19
